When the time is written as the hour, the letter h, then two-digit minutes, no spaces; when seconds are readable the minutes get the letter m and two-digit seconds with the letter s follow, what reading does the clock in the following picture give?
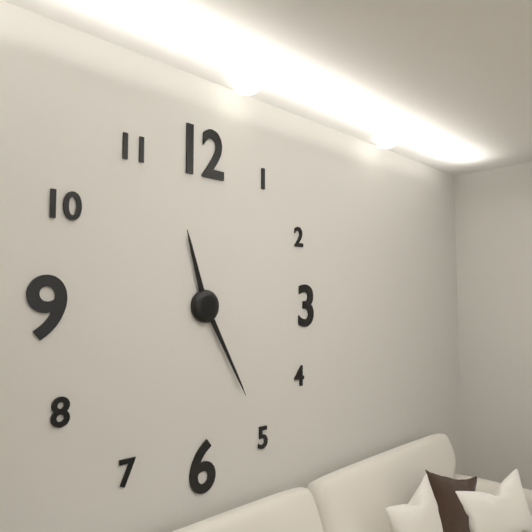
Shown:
11h25
